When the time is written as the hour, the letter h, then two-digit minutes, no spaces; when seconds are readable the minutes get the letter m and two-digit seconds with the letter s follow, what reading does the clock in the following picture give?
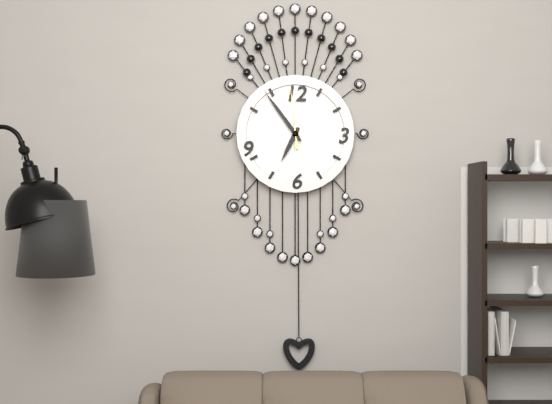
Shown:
6h54m59s
